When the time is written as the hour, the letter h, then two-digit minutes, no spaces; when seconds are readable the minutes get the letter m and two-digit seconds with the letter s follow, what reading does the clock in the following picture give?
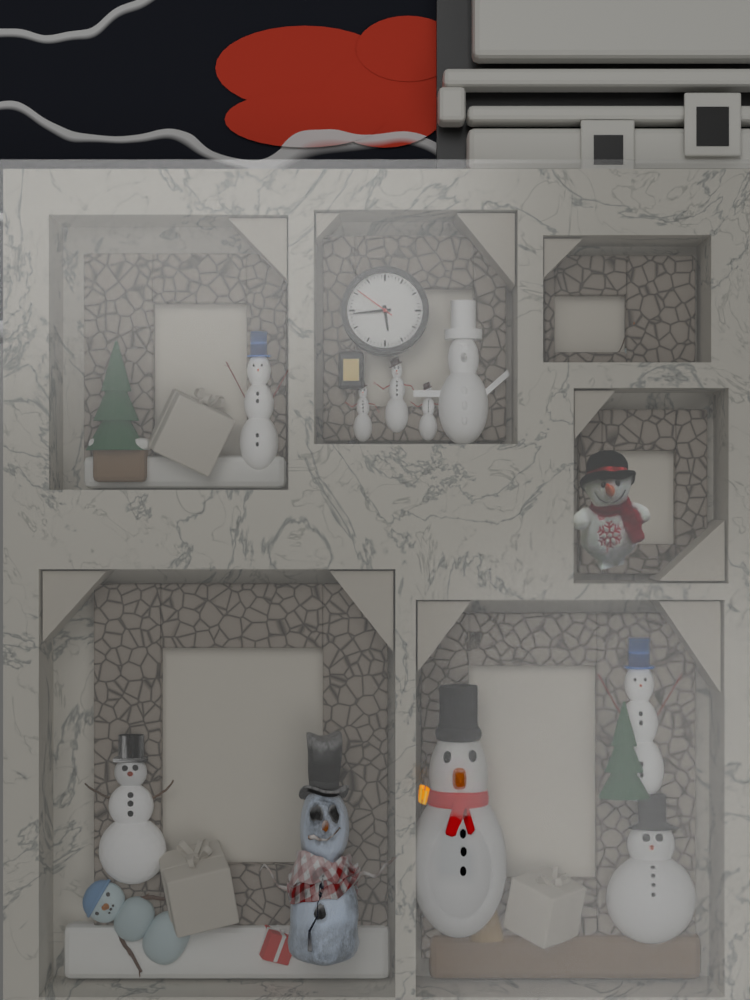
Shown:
5h44
